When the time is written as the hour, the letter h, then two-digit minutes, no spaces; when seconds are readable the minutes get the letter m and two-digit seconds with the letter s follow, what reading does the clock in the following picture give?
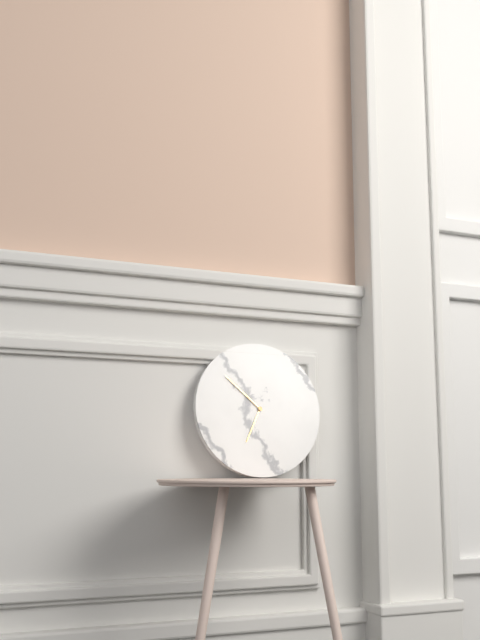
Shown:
6h52
